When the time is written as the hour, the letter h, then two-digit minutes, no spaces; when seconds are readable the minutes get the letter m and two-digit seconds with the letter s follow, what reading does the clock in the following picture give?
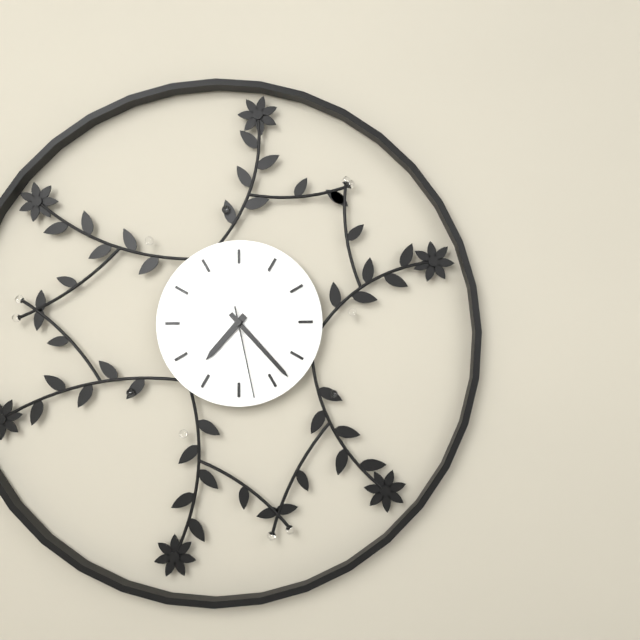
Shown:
7h23m28s
